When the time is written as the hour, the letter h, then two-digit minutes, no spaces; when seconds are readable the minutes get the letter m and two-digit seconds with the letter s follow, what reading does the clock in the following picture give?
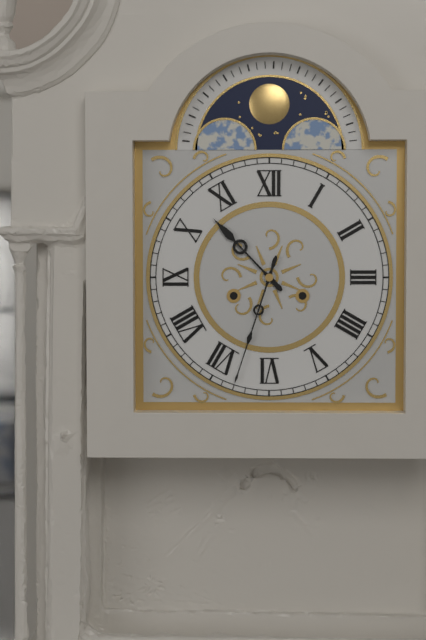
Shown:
10h33
